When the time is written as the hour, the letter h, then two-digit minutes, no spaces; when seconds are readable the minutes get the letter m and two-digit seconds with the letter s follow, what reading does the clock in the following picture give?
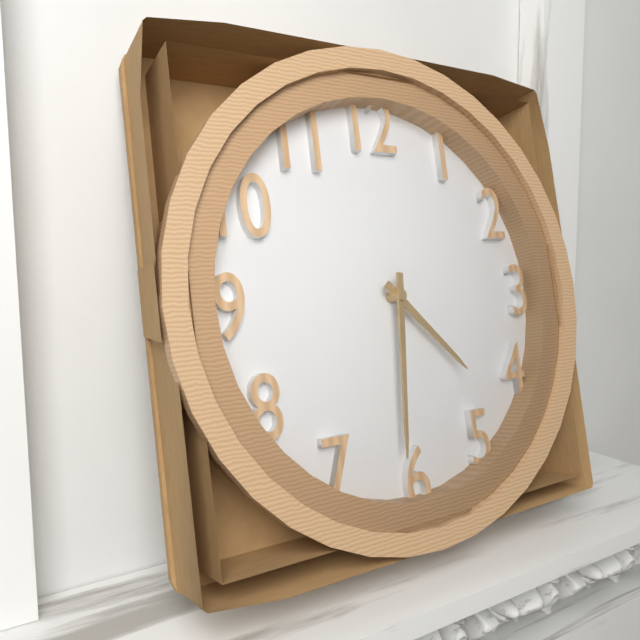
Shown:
4h31
